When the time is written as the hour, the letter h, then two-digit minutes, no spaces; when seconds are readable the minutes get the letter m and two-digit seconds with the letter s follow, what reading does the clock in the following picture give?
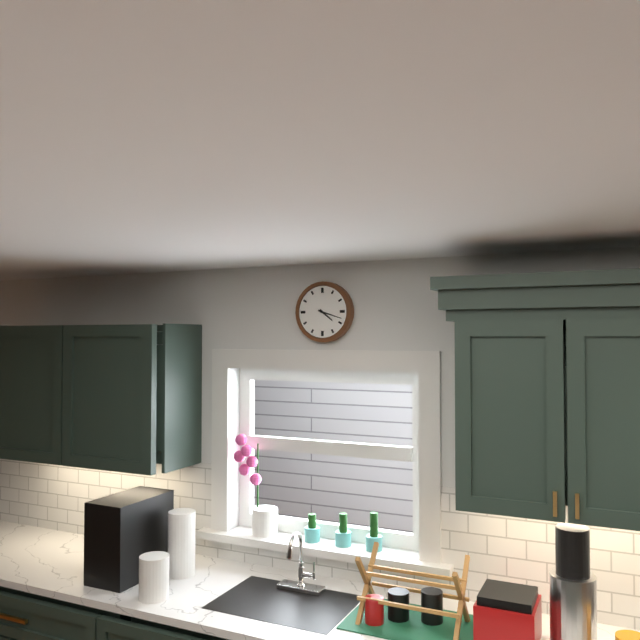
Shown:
4h18
